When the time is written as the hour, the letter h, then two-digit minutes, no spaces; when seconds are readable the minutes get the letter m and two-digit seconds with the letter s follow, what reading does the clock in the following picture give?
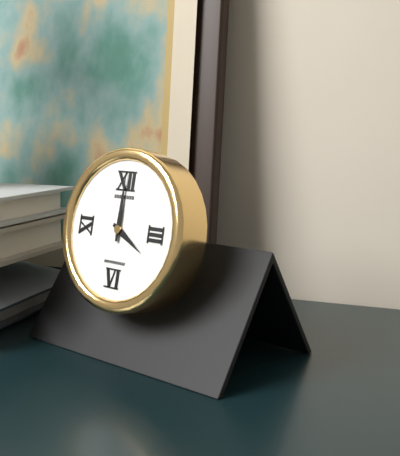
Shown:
4h00
